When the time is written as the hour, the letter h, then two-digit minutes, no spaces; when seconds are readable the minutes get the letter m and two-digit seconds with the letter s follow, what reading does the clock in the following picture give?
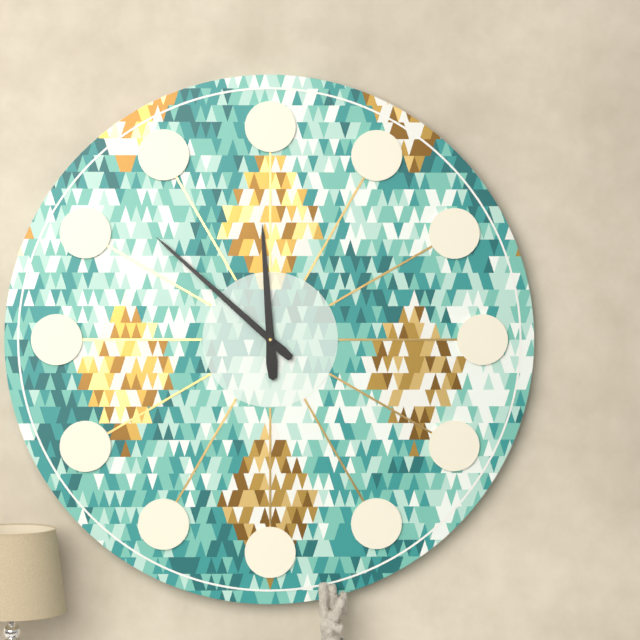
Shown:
11h52
